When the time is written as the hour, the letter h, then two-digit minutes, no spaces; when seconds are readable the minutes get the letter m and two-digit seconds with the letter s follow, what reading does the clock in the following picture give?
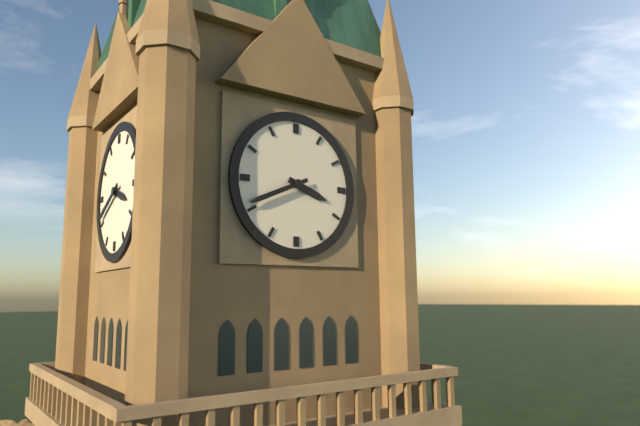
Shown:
3h41
